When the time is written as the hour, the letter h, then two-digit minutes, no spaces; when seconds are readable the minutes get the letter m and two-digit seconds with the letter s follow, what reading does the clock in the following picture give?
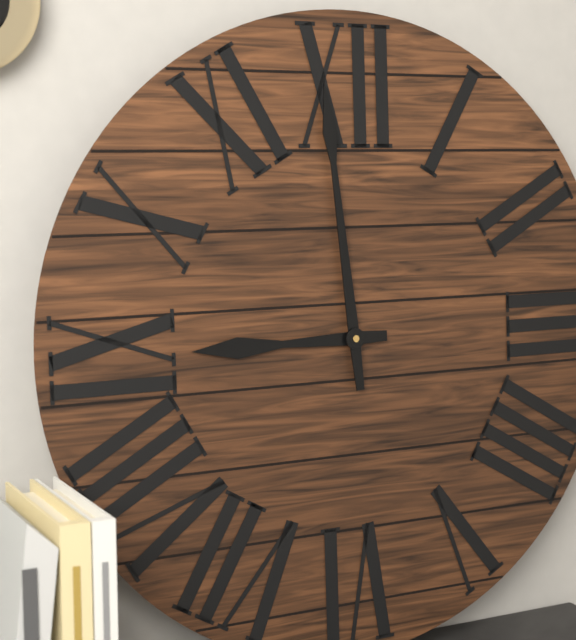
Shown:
8h59
